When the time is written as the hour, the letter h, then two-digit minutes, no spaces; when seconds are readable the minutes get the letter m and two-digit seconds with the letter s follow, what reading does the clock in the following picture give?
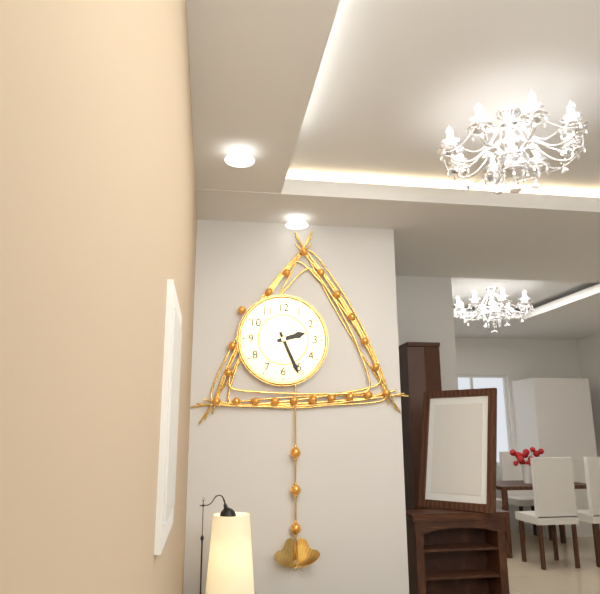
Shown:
2h26
